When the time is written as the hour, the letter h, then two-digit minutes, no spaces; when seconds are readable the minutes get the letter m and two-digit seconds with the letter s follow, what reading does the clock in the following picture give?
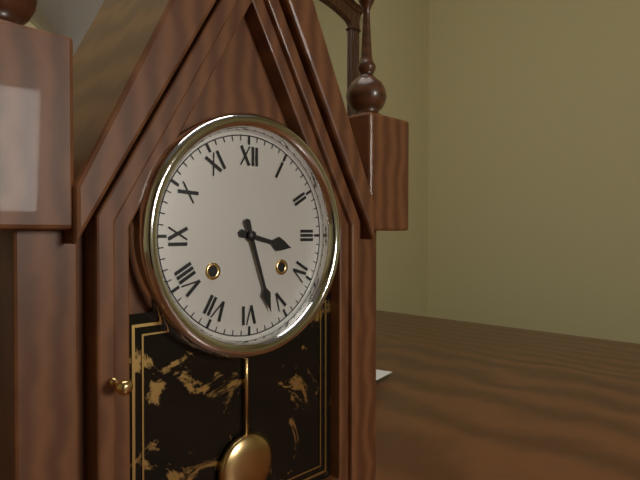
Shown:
3h27
